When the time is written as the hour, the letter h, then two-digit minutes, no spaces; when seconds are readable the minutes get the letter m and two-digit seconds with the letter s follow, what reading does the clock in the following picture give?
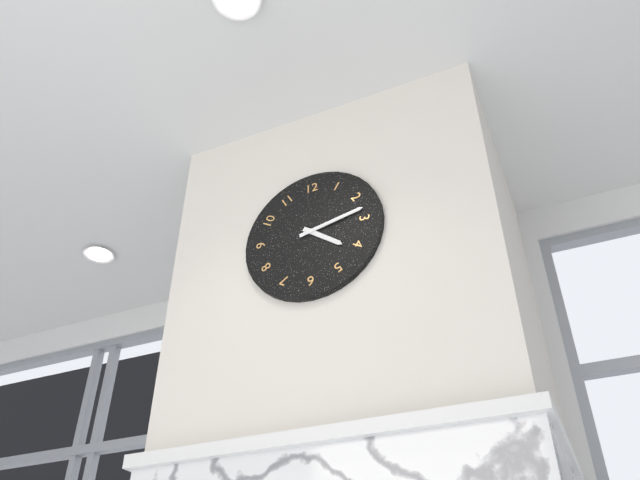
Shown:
4h13
